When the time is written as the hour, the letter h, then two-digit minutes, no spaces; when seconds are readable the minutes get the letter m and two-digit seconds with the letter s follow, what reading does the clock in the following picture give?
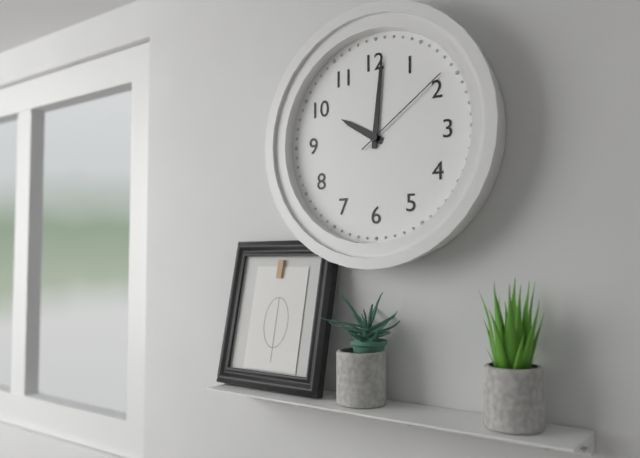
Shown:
10h01m09s
